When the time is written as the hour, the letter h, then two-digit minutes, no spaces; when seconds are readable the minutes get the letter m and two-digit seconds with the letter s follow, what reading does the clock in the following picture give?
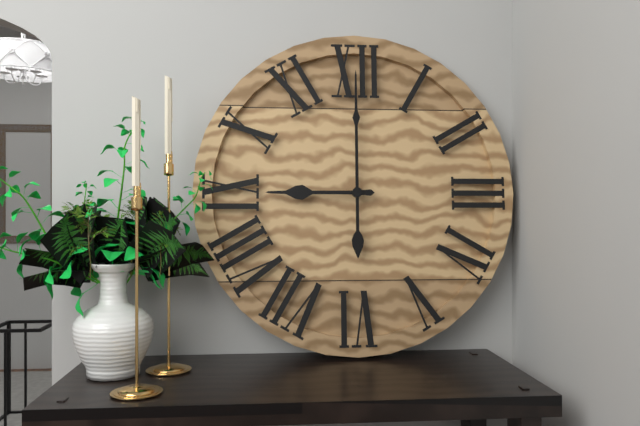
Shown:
9h00
